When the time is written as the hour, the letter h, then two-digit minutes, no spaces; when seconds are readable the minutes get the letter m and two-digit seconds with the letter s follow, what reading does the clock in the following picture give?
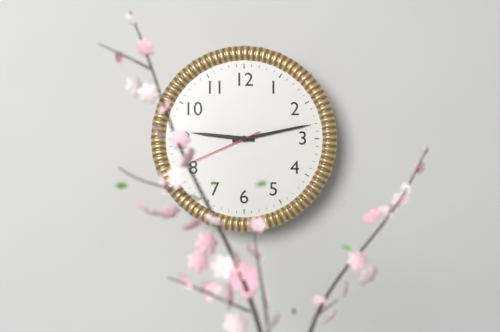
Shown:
9h13m41s
